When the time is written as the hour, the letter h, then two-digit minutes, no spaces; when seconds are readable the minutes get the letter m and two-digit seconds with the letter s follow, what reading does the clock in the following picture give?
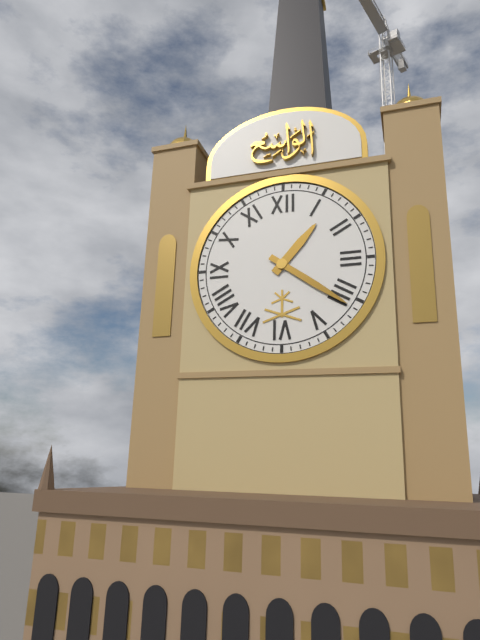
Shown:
1h21
